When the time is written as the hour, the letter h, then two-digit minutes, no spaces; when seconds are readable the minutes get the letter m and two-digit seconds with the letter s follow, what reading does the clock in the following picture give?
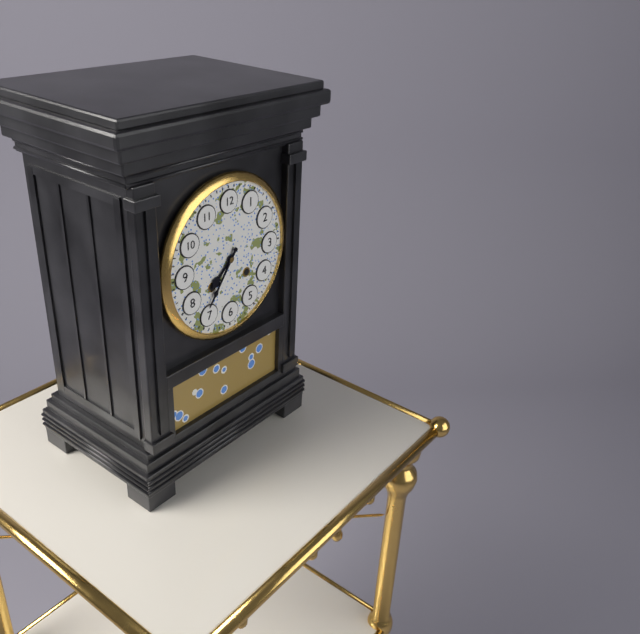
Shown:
7h36
